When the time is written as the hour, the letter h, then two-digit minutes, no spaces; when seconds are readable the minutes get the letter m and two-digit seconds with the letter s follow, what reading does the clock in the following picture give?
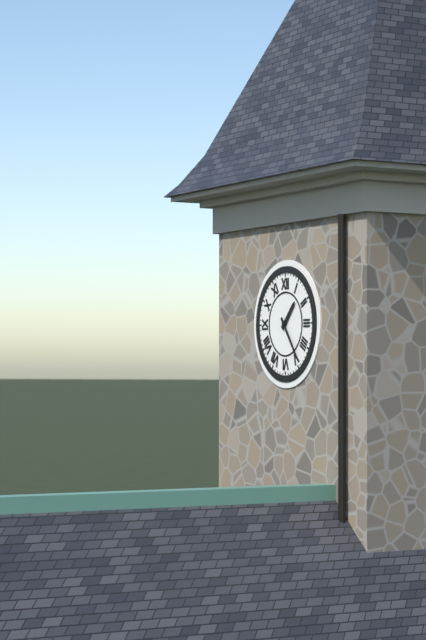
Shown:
1h24
